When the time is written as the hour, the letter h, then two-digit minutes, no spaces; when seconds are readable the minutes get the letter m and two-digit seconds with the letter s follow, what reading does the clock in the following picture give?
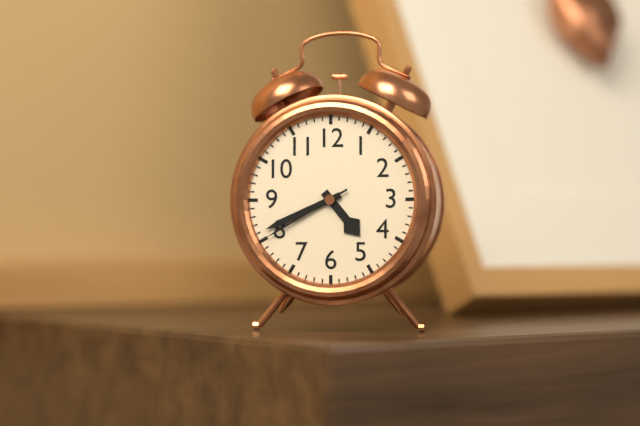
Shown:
4h41m40s
